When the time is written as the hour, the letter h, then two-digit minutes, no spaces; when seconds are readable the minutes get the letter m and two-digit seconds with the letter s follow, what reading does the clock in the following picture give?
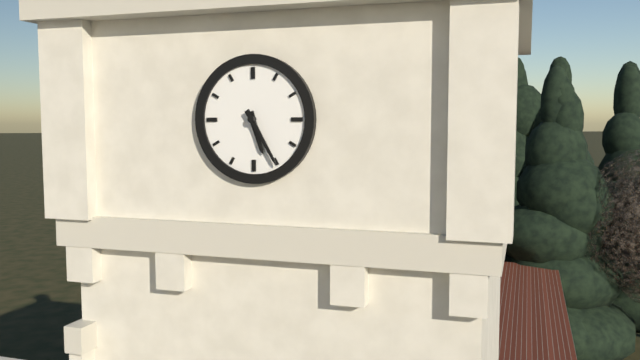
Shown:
5h25
